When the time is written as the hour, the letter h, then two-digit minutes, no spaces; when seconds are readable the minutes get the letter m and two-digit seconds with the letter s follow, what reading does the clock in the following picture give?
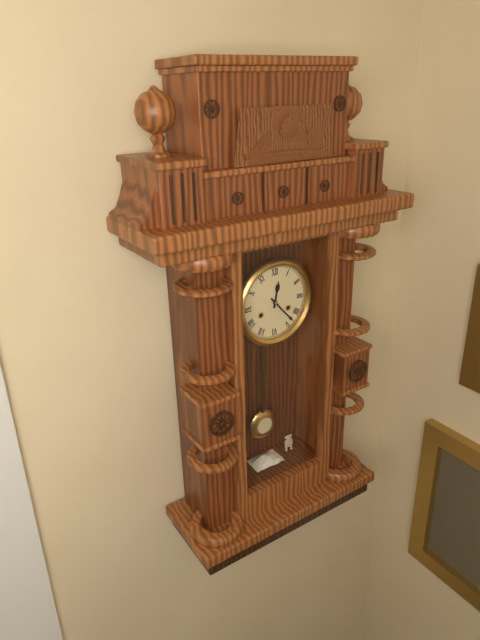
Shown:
12h23
